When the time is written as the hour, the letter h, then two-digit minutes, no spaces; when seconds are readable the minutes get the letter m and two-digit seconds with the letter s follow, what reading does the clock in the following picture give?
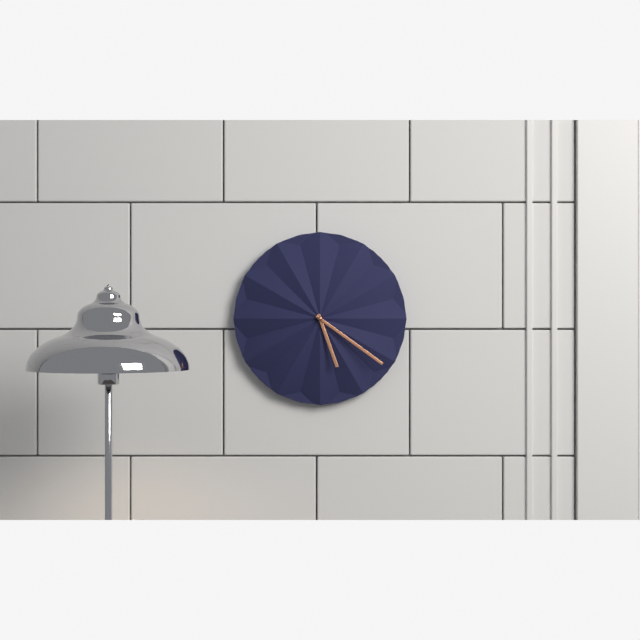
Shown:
5h21
